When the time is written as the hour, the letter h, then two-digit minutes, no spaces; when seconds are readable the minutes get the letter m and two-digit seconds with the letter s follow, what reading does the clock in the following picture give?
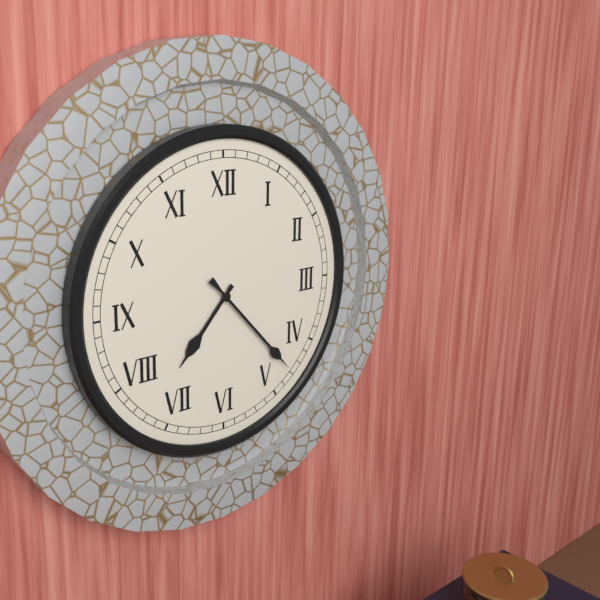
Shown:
7h23
